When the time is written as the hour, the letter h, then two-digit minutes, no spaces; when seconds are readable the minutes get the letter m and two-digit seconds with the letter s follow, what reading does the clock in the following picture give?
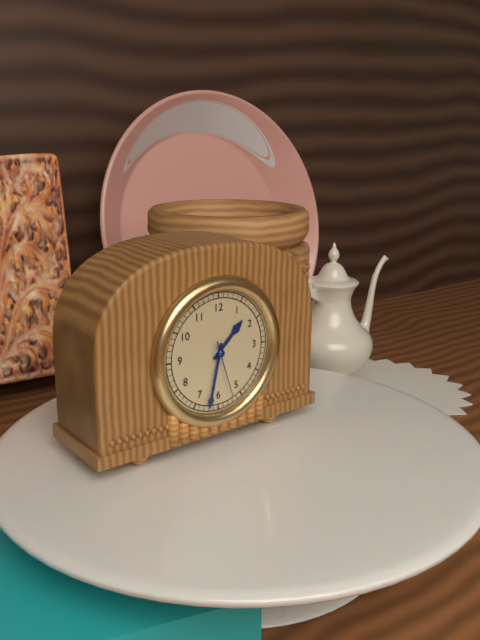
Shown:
1h32m27s
